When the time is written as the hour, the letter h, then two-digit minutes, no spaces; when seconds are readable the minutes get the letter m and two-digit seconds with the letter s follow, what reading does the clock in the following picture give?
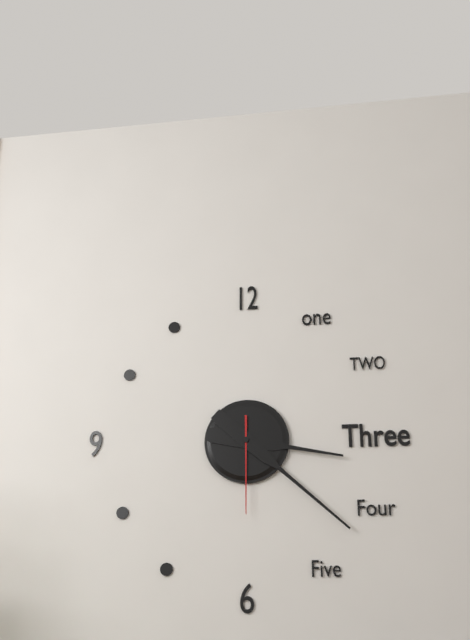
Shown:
3h22m30s
